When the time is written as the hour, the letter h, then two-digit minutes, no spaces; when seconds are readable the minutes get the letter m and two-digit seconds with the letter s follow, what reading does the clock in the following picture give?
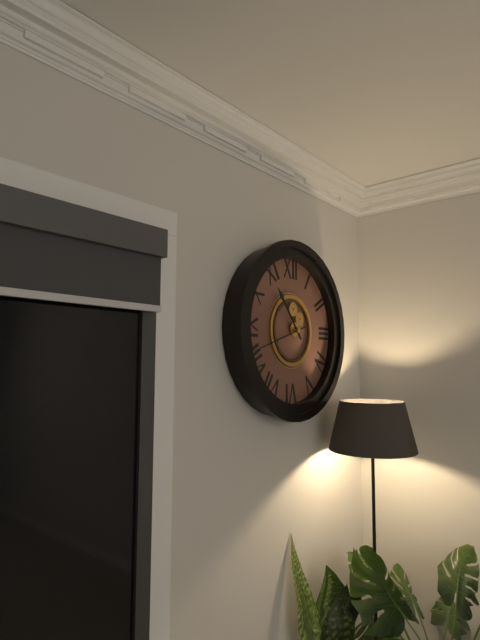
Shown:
10h42
